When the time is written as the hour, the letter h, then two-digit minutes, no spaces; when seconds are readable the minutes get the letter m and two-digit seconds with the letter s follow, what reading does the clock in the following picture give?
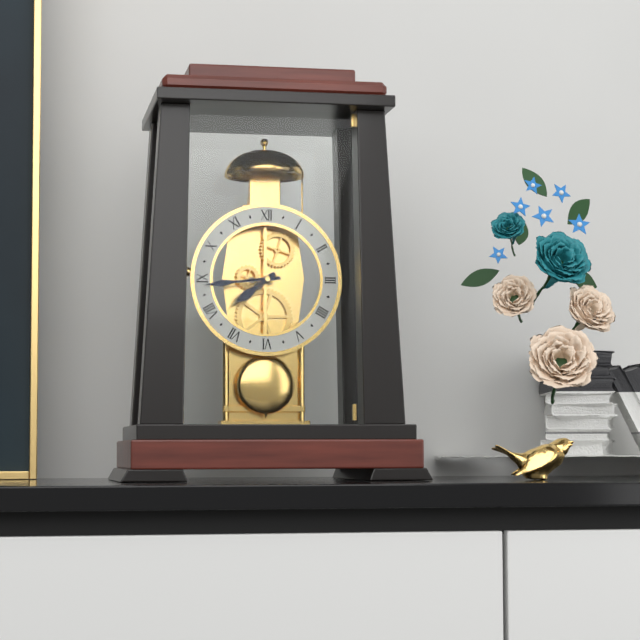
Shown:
7h44
